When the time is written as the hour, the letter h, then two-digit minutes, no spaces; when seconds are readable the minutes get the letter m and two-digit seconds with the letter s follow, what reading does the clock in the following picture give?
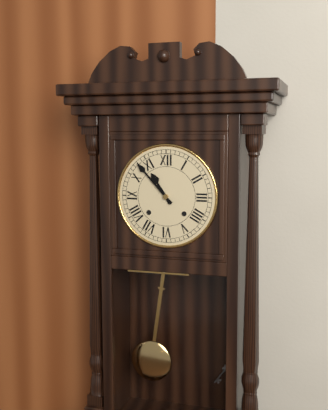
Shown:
10h53
